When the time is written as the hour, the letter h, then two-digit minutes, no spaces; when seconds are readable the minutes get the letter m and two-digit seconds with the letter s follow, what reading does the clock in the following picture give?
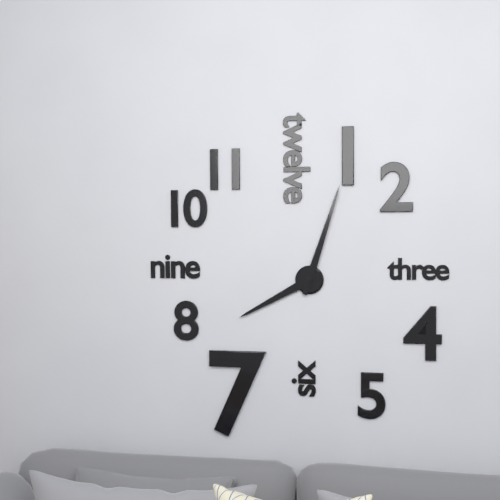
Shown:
8h03
